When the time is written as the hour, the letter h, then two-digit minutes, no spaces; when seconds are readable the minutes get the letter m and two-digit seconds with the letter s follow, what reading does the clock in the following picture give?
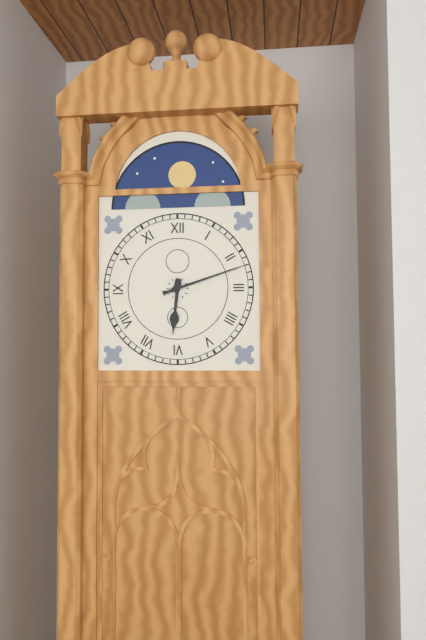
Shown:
6h12
